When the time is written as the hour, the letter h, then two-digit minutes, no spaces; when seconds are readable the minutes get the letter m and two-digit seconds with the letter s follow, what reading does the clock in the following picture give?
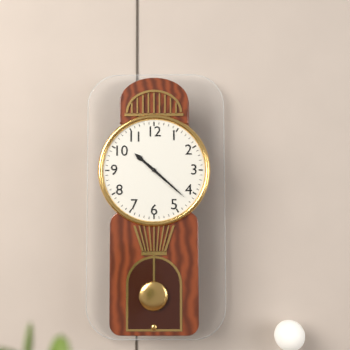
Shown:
10h22
